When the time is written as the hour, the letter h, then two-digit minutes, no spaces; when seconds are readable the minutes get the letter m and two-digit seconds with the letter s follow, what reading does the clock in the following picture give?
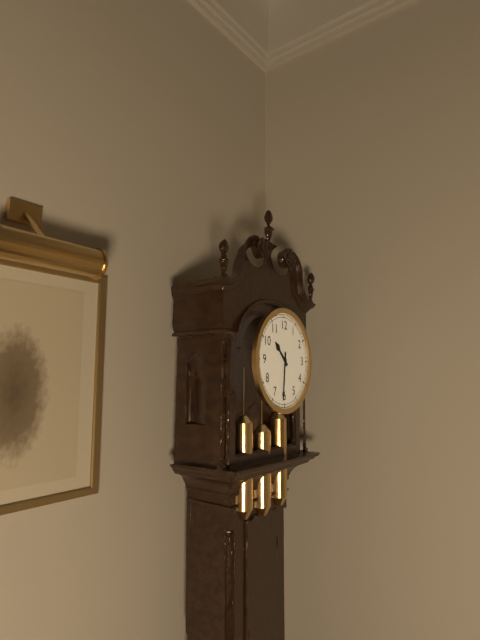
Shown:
10h31
